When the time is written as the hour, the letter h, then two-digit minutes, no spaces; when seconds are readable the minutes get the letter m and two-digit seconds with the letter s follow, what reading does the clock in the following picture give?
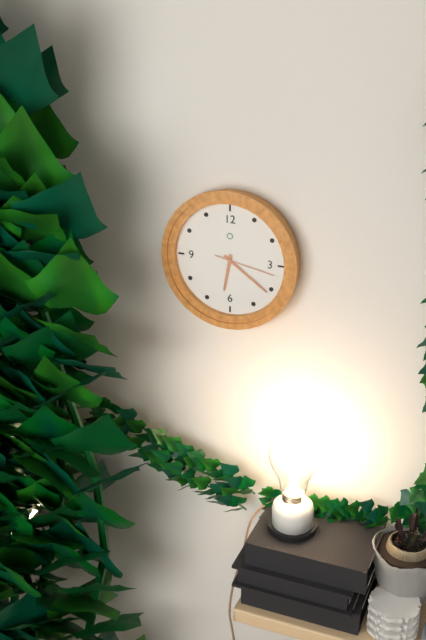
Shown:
6h21m17s
